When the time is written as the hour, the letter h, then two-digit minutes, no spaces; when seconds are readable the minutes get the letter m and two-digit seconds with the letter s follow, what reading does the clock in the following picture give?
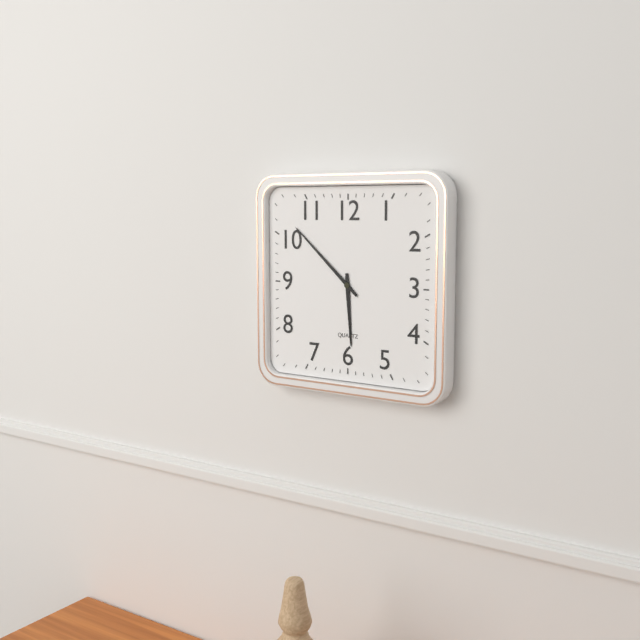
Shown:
5h52
